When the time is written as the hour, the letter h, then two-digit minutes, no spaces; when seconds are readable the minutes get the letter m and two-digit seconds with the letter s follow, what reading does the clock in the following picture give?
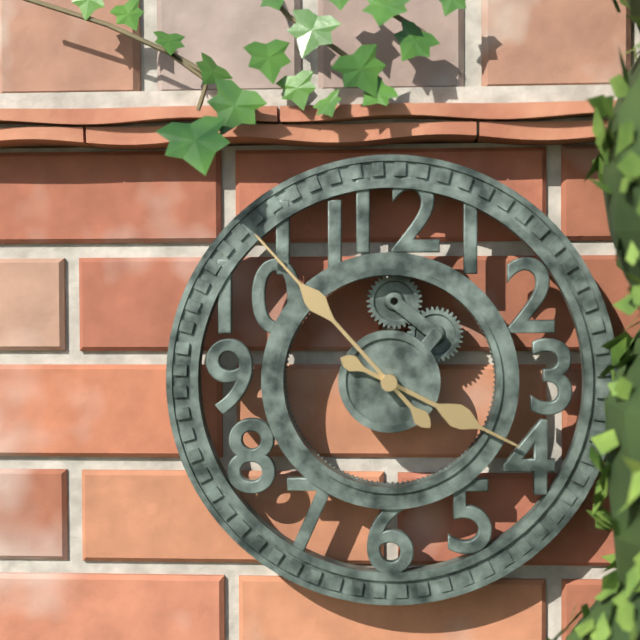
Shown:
3h53
